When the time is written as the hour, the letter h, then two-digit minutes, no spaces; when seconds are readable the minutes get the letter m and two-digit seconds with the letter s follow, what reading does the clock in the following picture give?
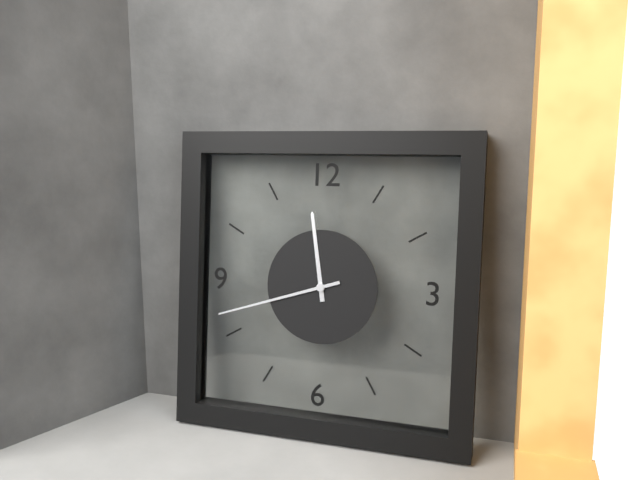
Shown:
11h42
